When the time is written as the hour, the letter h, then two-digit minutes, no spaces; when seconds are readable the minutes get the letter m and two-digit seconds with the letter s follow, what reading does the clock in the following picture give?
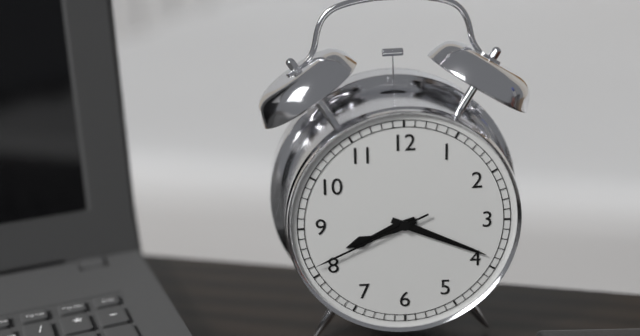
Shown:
8h19m41s
